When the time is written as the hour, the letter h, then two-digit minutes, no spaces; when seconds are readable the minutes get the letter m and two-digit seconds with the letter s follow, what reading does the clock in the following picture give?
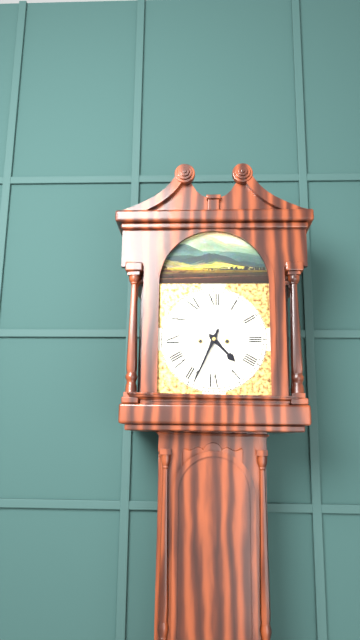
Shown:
4h34
